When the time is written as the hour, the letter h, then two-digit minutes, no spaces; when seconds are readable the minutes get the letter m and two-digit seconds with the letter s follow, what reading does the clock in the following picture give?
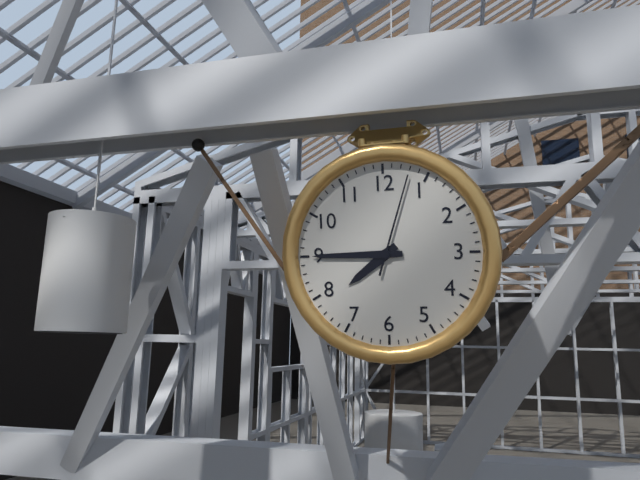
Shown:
7h45m03s
